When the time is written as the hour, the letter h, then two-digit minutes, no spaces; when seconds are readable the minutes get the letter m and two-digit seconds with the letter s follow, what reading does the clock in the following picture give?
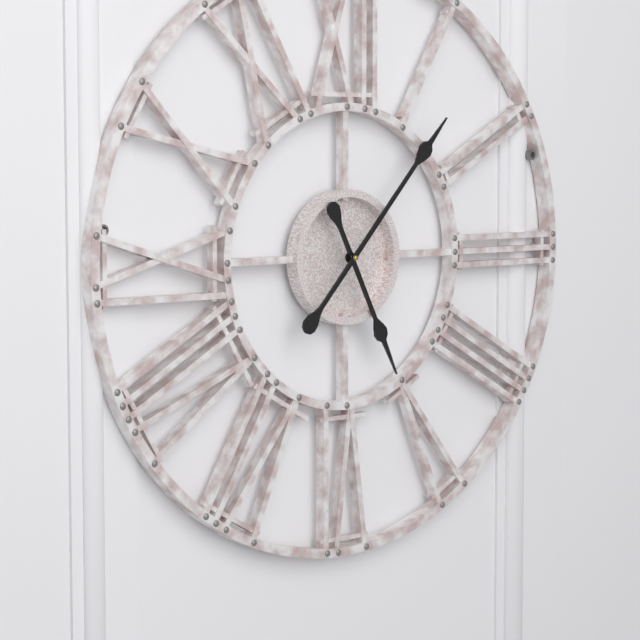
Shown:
5h07
